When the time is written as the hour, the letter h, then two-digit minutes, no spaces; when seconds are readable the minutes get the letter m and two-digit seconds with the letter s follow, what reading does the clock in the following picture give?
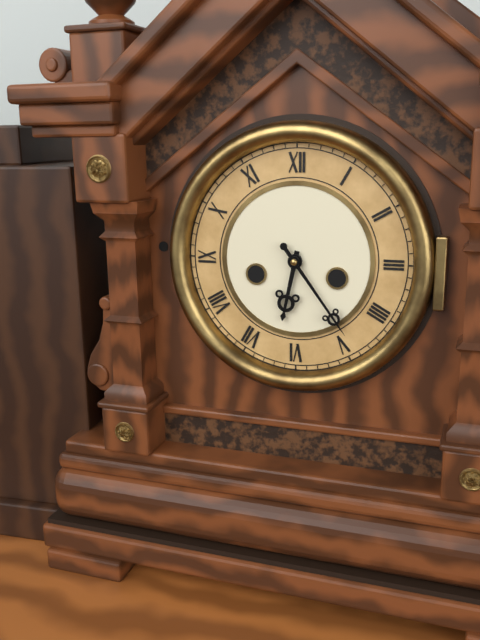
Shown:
6h24
